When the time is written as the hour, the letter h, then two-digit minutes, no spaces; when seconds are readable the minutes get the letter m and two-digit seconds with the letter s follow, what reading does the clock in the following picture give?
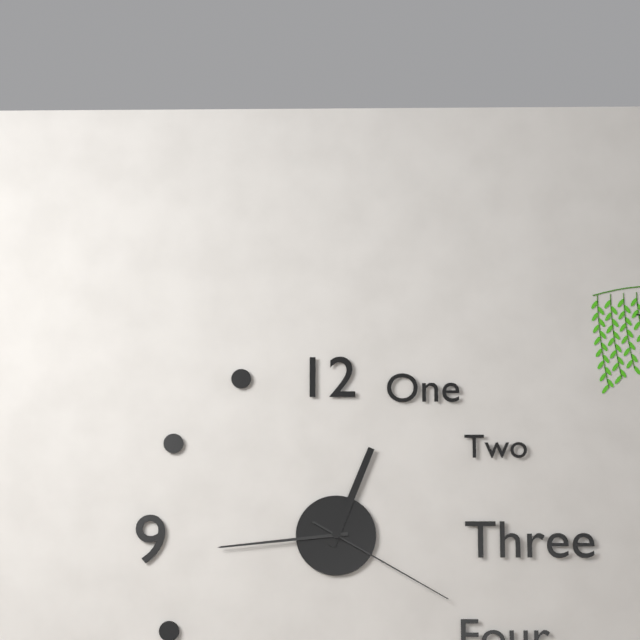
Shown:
12h44m20s
